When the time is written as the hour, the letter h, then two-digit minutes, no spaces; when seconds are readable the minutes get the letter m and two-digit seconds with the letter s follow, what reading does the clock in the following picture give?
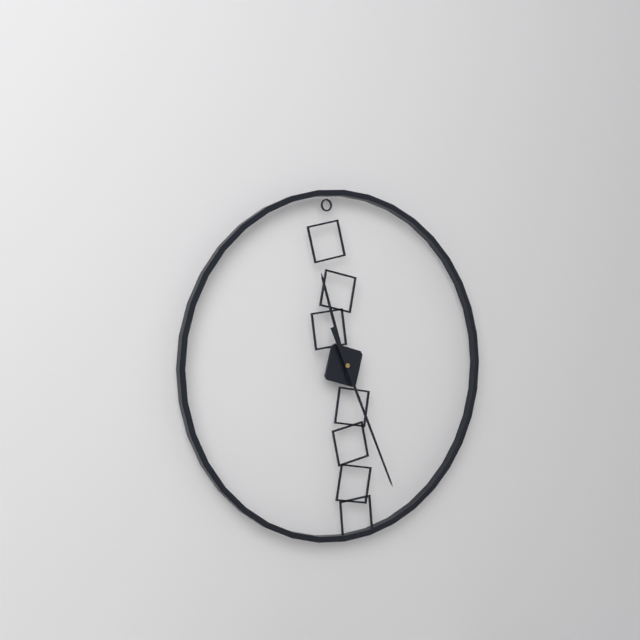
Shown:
11h26
